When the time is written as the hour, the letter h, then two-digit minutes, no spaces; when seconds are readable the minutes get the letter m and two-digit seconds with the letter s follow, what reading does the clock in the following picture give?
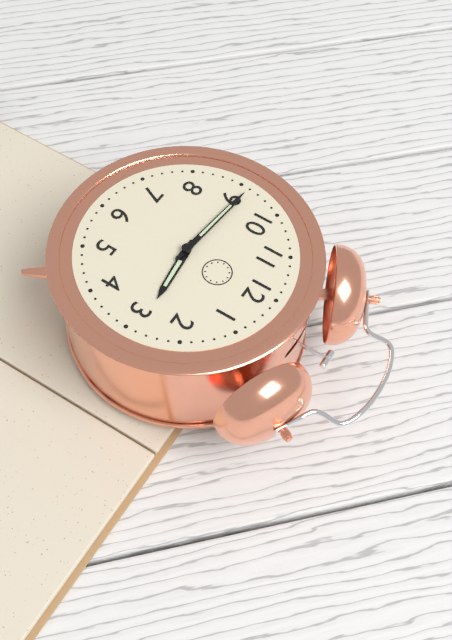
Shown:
2h46
